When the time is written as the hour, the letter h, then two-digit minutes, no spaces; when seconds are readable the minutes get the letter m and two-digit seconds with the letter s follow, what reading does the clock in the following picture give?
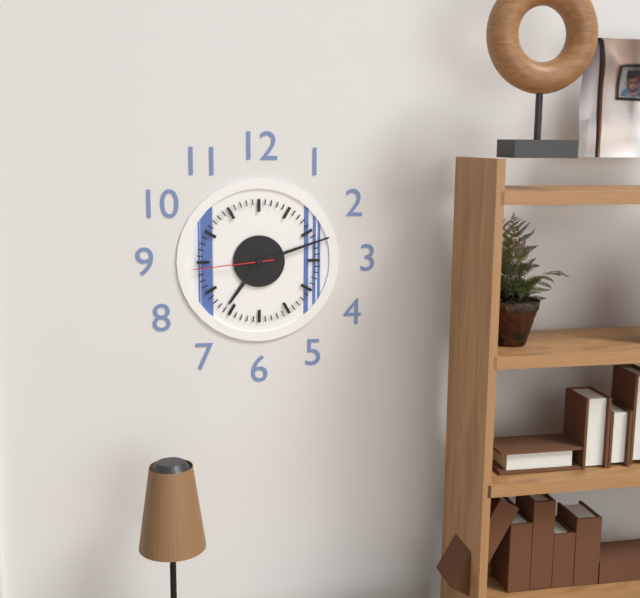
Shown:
7h12m44s
